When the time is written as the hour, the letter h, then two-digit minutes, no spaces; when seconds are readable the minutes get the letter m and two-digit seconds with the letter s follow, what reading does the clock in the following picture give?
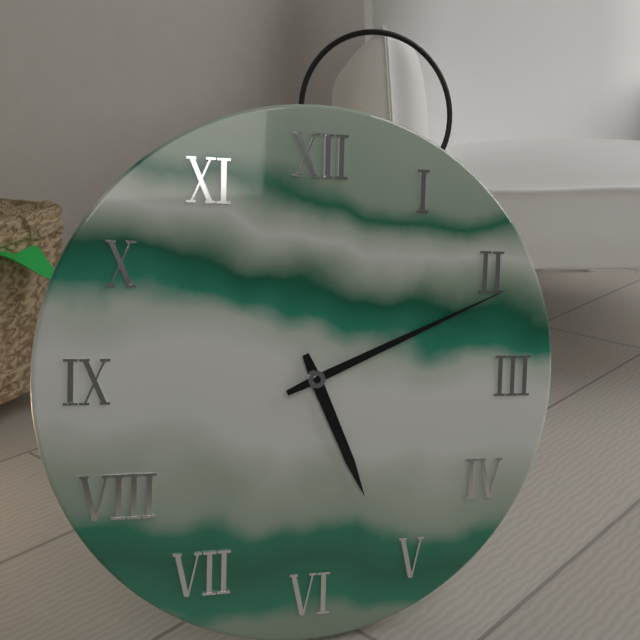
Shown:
5h11
